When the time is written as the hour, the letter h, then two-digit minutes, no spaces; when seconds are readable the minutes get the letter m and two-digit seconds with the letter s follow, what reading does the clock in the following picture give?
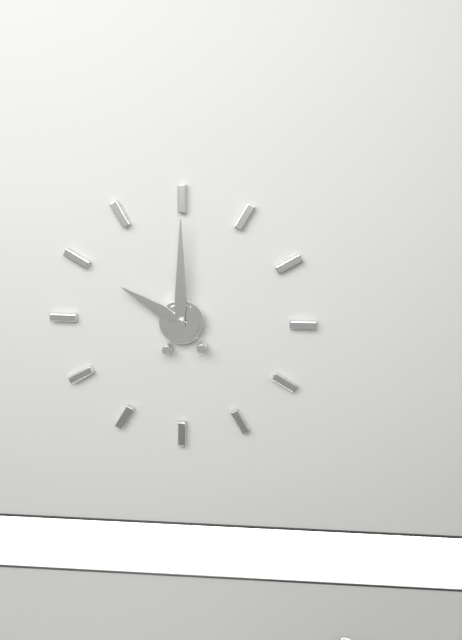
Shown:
10h00
